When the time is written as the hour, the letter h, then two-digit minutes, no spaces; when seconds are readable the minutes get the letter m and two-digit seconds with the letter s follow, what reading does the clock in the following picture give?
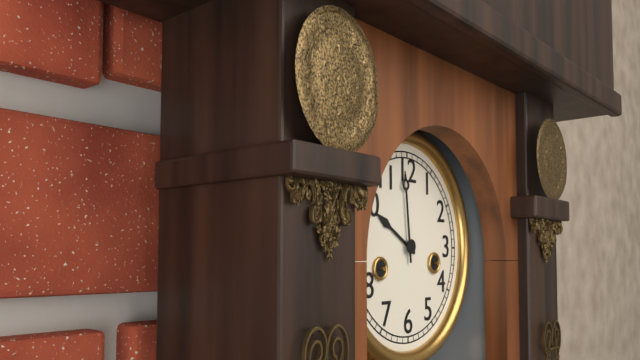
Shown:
9h59
